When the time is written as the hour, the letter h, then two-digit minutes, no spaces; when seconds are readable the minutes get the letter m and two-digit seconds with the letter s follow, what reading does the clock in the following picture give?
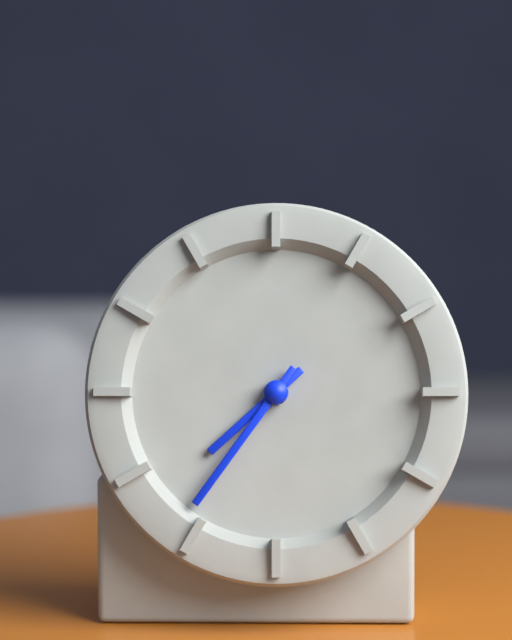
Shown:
7h36
